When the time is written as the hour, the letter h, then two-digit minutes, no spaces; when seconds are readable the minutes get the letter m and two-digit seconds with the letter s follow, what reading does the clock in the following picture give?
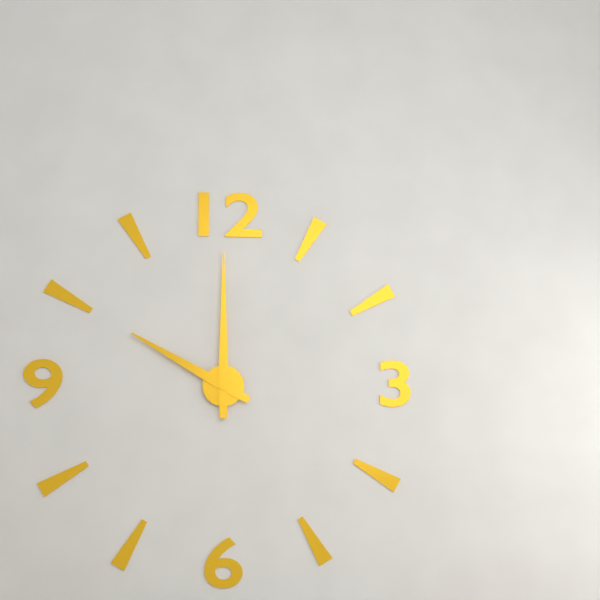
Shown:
10h00
